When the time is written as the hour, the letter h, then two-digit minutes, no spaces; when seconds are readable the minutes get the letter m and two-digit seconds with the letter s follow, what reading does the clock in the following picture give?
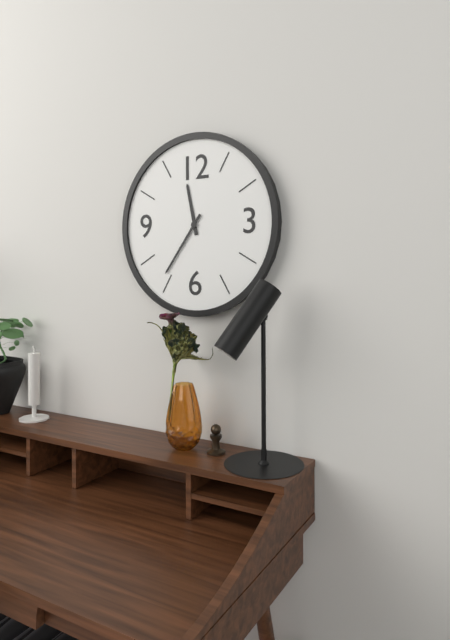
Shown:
11h36
